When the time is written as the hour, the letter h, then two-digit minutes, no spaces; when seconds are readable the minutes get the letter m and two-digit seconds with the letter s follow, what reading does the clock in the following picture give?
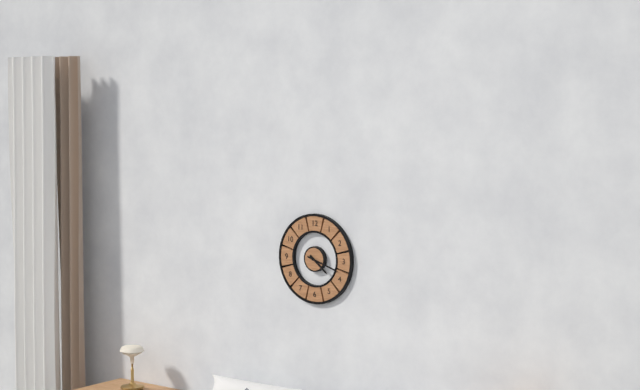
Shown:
4h18
